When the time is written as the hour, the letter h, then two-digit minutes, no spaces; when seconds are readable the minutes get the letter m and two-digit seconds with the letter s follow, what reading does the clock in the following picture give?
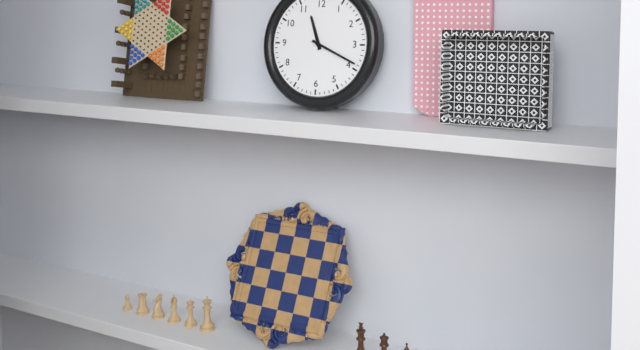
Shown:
11h19
